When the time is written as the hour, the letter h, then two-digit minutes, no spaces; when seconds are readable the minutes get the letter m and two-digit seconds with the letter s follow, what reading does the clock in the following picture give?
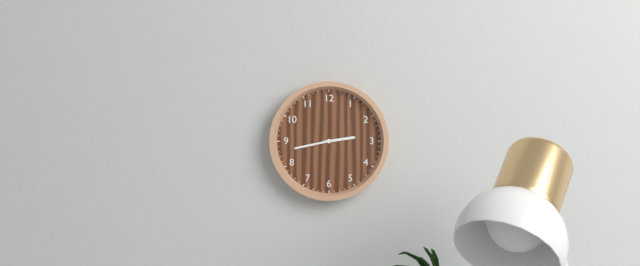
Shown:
2h43
